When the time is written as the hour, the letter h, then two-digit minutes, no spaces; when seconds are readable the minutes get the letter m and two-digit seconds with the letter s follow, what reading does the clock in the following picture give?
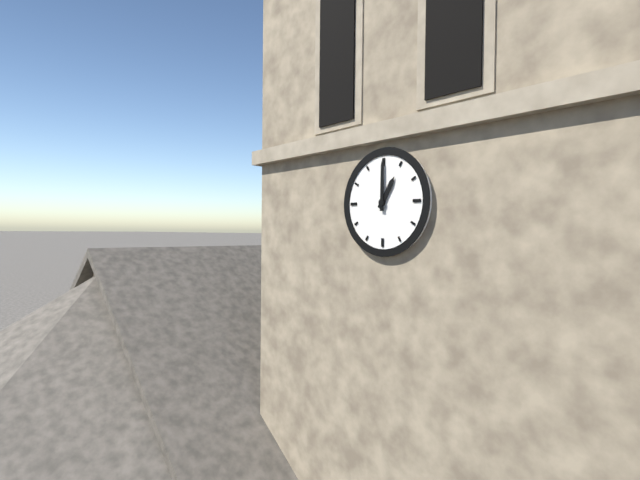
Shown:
1h00
